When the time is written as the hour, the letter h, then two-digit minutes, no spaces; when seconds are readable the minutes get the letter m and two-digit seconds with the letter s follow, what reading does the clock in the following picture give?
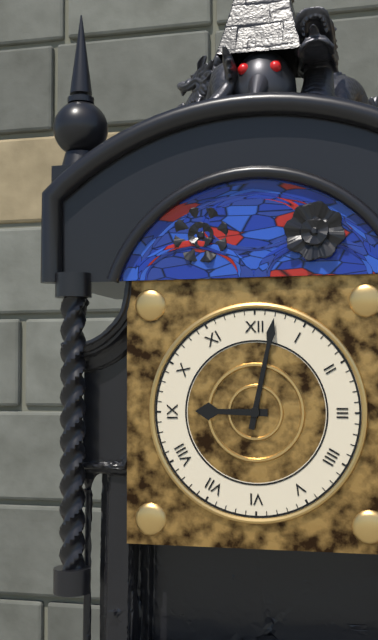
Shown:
9h02
